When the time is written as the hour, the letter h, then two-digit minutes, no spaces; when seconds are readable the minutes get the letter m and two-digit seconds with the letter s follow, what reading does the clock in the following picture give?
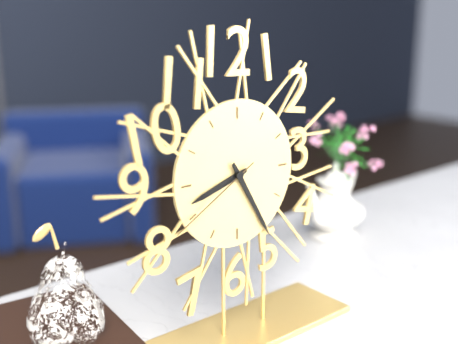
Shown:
8h25m40s
